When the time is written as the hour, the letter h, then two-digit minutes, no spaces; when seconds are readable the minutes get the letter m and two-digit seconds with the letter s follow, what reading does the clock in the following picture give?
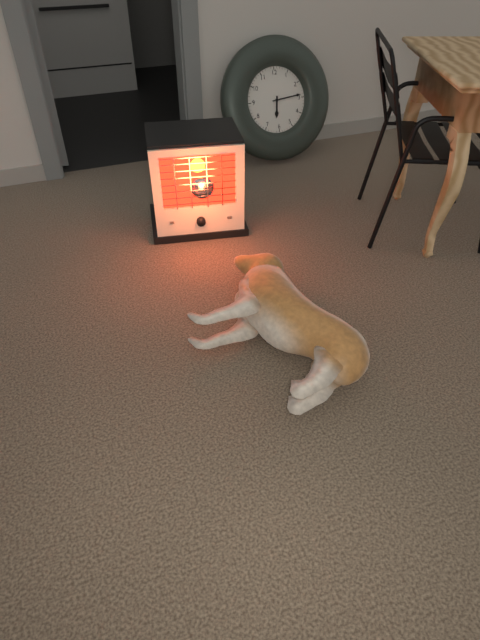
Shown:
6h14
